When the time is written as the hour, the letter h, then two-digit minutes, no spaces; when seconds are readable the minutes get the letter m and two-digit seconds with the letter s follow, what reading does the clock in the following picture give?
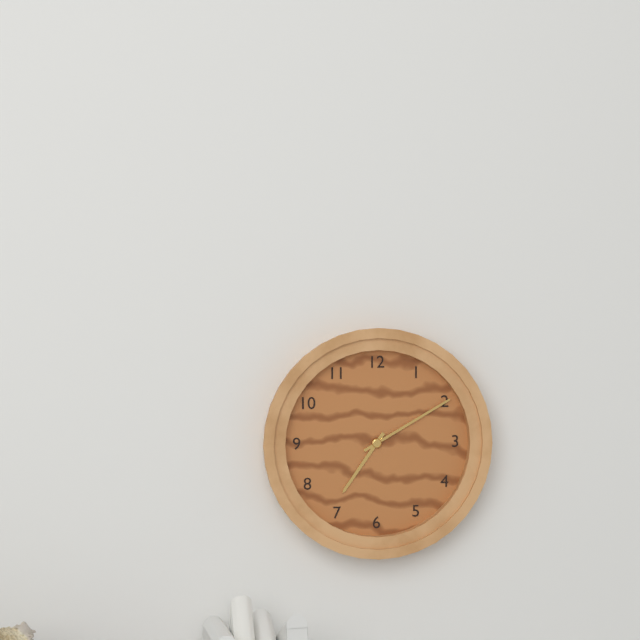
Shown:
7h10
